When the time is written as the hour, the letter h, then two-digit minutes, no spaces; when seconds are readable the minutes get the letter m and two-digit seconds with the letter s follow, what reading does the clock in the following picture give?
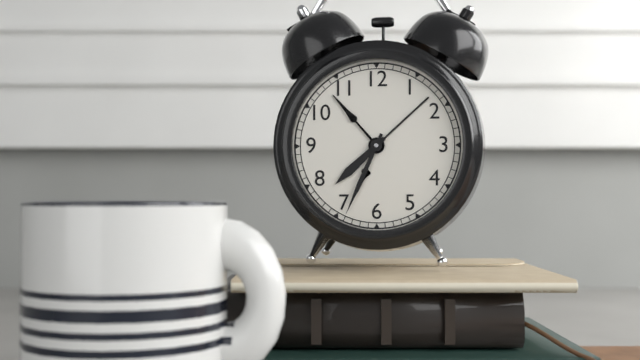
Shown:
7h34
